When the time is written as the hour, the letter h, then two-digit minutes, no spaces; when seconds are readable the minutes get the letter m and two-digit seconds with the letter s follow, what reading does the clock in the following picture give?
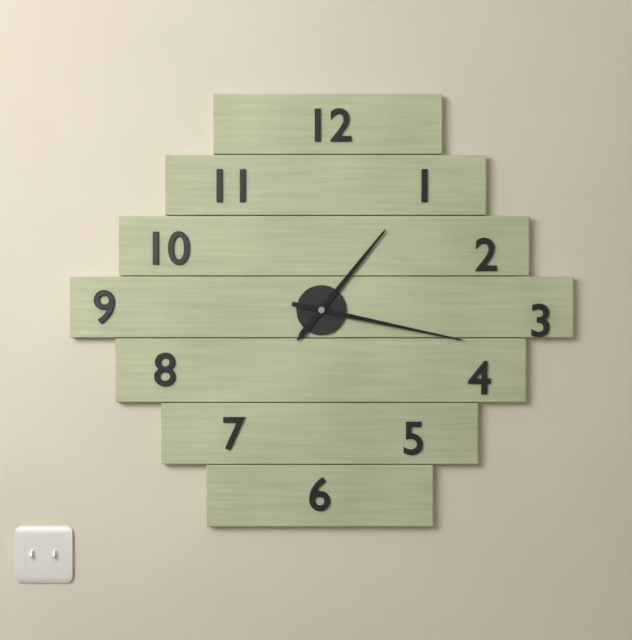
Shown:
1h17
